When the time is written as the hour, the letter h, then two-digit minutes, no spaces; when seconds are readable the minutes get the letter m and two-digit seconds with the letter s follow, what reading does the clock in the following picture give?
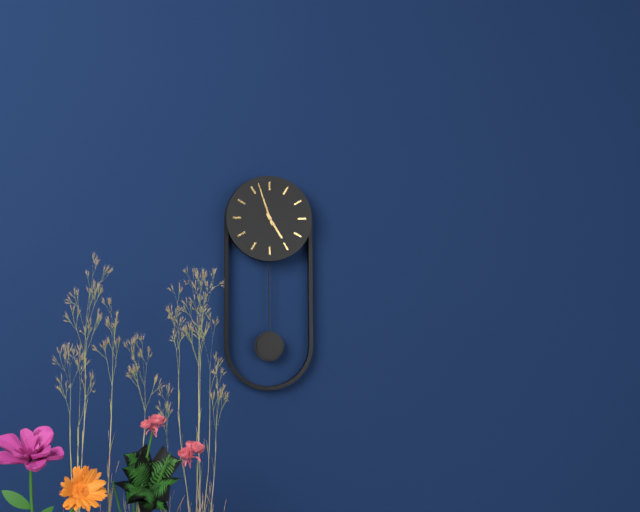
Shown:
4h57
